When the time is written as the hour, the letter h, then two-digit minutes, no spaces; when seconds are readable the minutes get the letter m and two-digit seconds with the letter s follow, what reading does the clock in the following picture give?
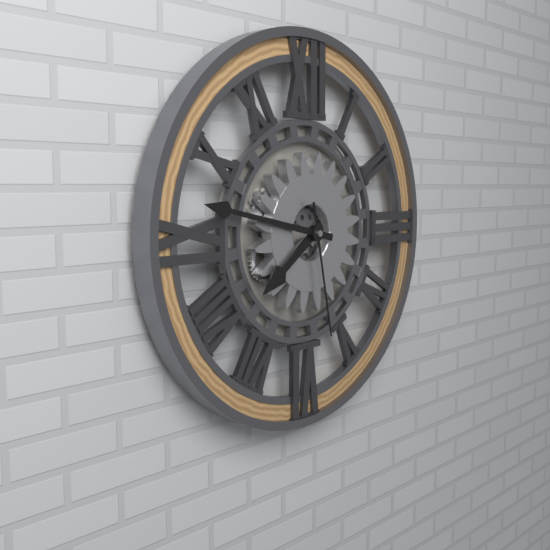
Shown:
7h47m28s
